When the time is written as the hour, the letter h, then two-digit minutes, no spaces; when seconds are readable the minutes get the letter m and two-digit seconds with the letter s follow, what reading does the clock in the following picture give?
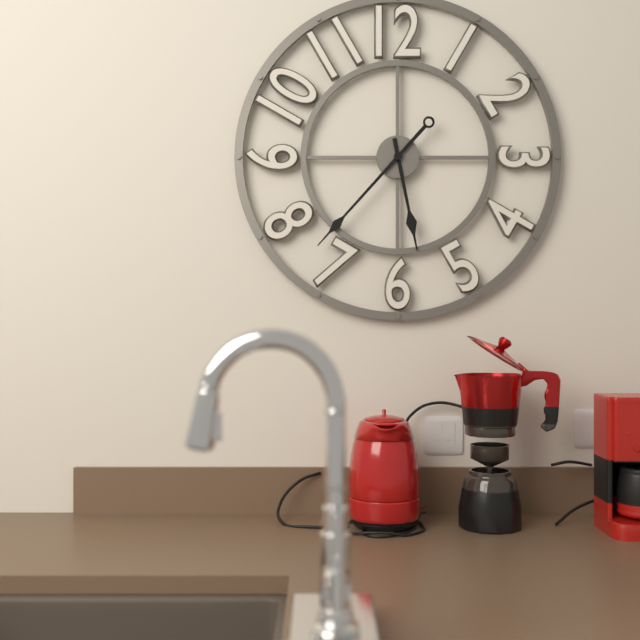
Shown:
5h37
